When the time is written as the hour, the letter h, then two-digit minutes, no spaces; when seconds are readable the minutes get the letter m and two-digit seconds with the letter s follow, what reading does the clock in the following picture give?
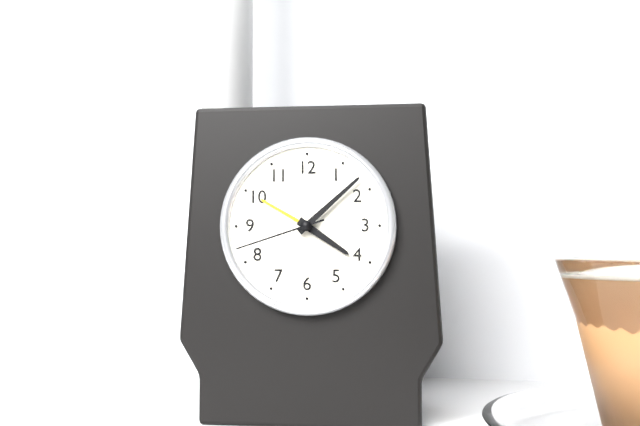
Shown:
4h08m42s
